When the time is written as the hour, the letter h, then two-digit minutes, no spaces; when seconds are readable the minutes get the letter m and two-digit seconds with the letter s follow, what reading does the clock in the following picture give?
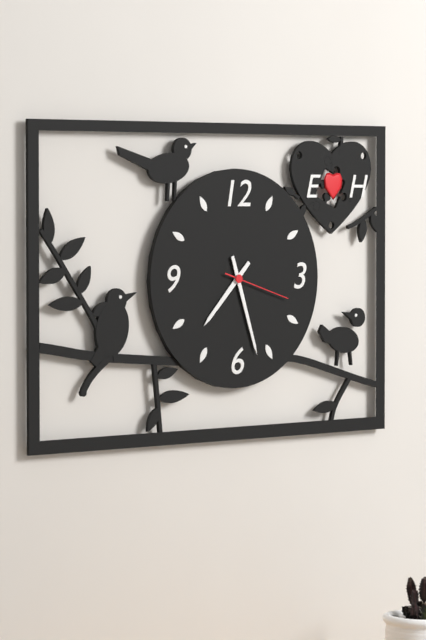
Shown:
7h27m18s
